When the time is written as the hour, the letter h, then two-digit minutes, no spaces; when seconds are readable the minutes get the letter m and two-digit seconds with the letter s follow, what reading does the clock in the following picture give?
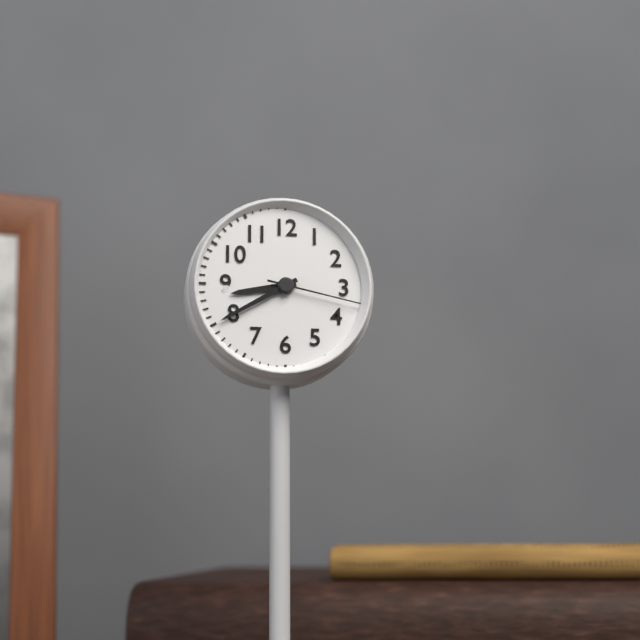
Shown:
8h40m17s
